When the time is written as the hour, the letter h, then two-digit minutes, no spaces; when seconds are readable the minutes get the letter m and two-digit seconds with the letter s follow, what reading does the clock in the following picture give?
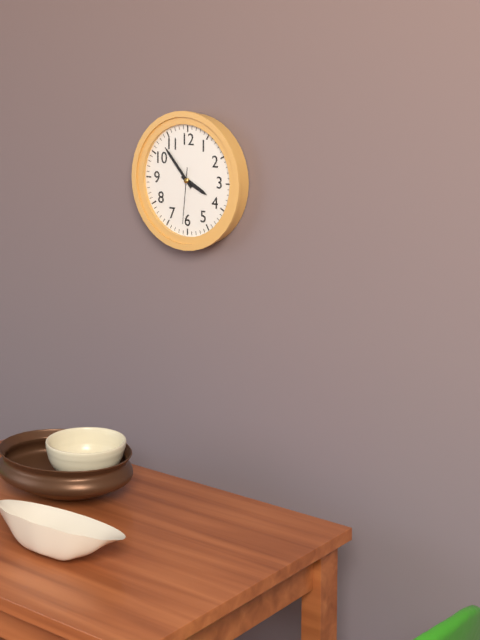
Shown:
3h53m31s
